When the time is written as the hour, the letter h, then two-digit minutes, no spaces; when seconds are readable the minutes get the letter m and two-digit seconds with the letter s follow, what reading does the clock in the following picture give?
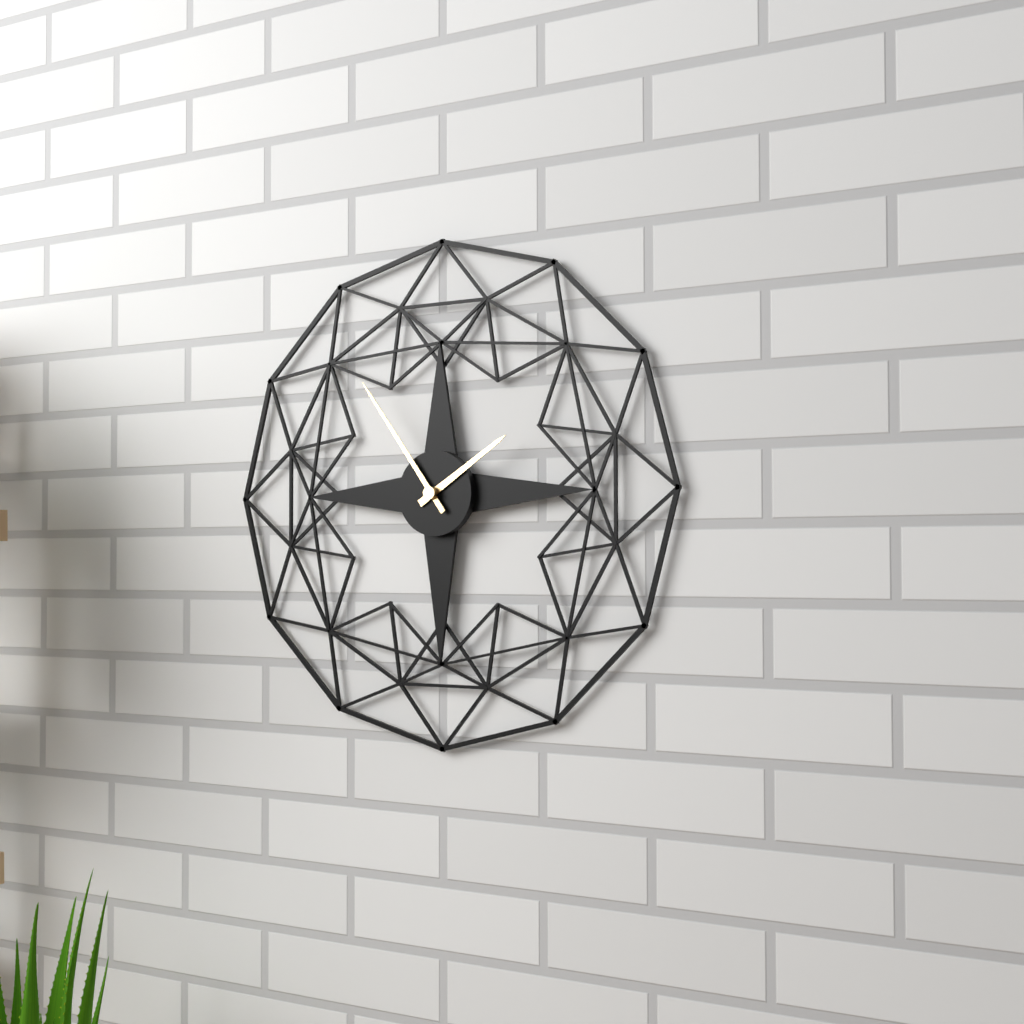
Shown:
1h54
